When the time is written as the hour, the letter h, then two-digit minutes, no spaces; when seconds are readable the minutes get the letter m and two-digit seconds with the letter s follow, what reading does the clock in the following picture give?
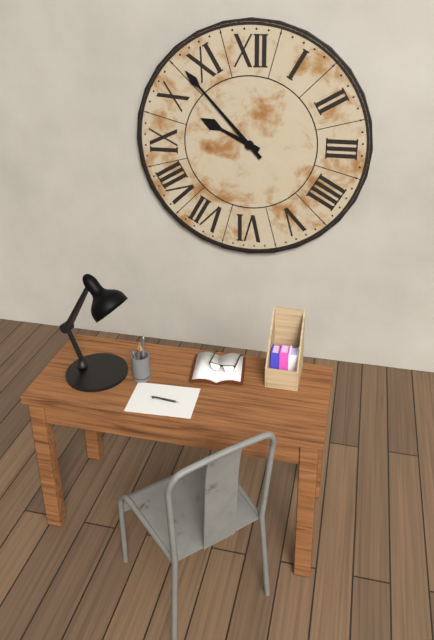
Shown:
9h53
